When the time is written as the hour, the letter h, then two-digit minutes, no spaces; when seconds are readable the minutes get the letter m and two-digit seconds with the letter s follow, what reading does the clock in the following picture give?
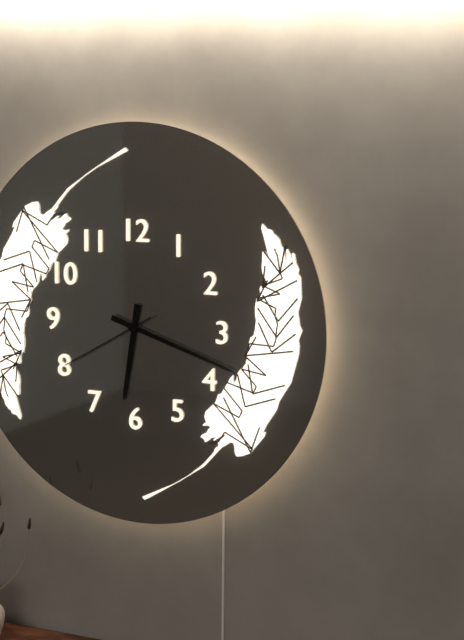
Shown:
6h18m40s
